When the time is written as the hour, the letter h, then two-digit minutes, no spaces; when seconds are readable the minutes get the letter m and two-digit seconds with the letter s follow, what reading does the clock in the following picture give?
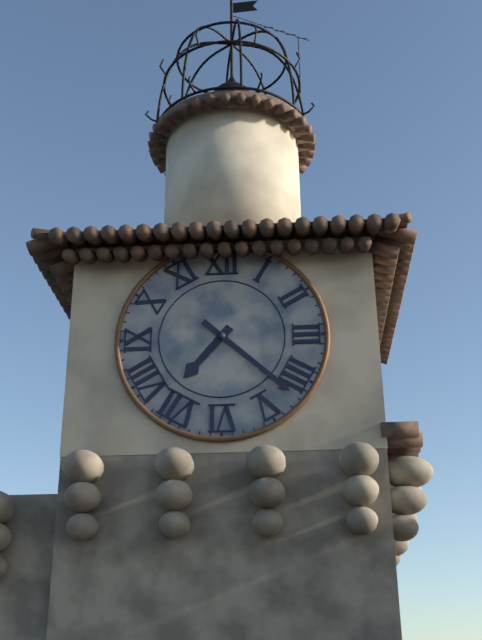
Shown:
7h22
